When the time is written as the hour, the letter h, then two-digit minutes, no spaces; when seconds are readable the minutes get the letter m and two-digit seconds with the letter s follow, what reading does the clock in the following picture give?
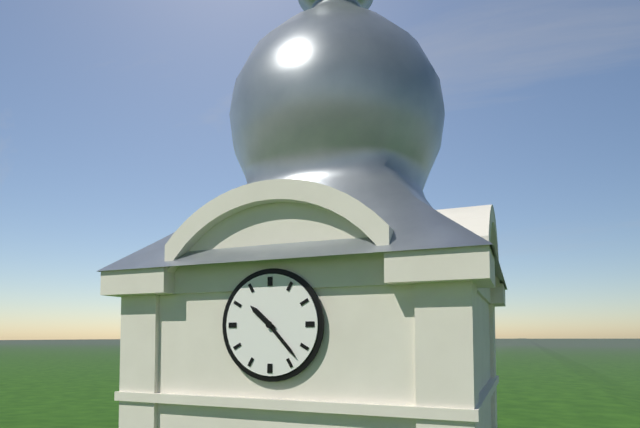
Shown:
10h23
